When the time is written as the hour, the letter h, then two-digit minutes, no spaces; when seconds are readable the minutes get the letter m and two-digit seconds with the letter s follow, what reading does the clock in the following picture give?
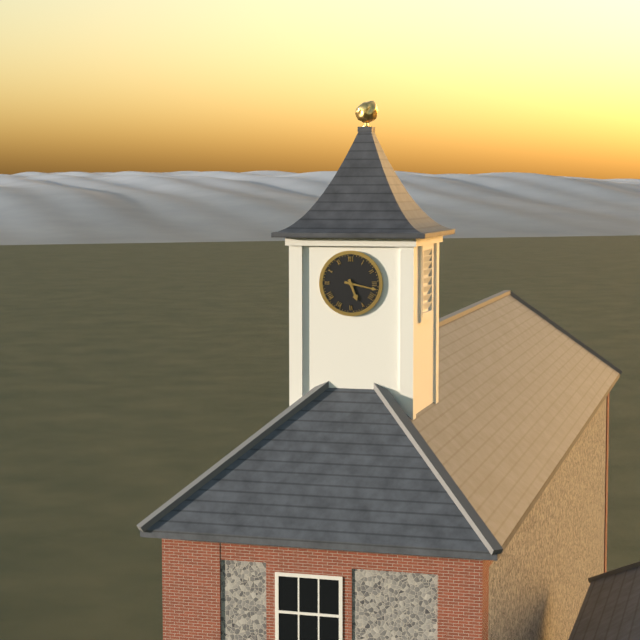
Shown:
5h17
